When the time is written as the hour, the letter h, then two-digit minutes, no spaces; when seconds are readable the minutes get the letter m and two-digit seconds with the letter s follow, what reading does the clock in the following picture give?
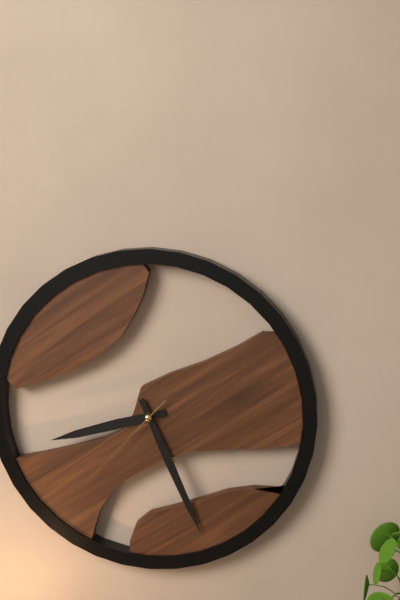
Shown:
8h26m37s
